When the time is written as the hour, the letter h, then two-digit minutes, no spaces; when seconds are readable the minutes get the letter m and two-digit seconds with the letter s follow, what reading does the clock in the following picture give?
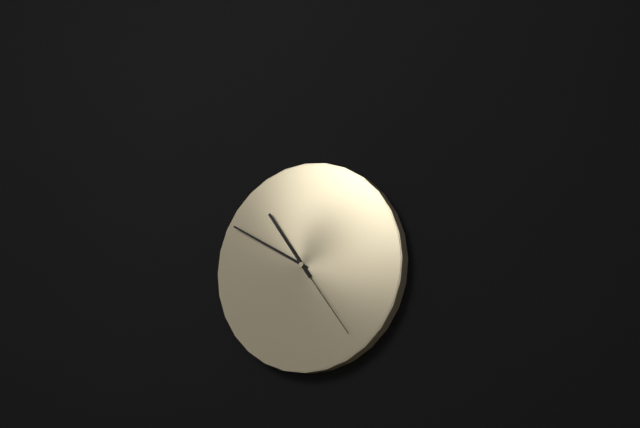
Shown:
10h50m24s
